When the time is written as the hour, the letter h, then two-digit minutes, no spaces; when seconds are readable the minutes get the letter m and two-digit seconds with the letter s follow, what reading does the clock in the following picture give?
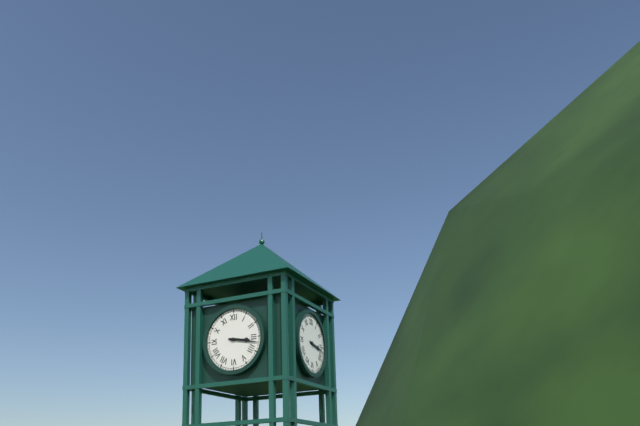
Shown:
3h17
